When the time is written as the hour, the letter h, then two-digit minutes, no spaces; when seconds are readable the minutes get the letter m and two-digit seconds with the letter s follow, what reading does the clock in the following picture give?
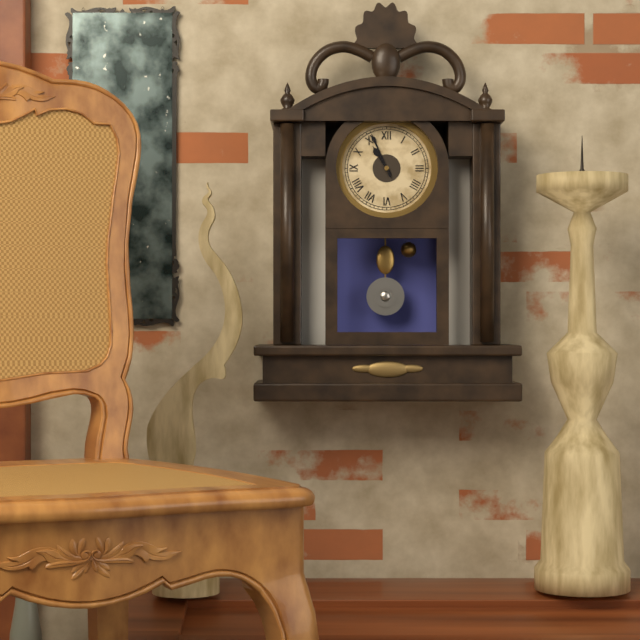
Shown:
10h56
